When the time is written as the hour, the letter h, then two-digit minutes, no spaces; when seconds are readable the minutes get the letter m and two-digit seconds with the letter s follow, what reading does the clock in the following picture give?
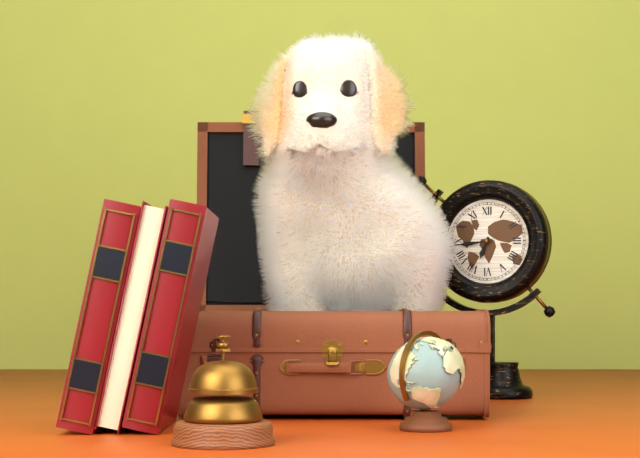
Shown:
6h44
